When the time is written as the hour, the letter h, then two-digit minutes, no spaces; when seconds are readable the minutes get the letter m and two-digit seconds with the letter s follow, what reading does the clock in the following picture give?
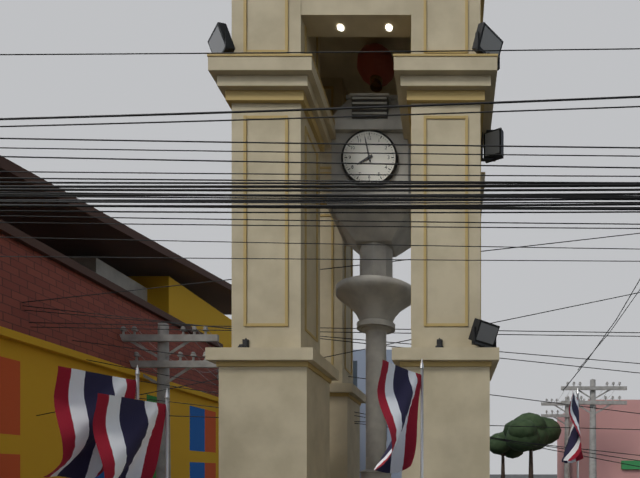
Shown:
7h58
